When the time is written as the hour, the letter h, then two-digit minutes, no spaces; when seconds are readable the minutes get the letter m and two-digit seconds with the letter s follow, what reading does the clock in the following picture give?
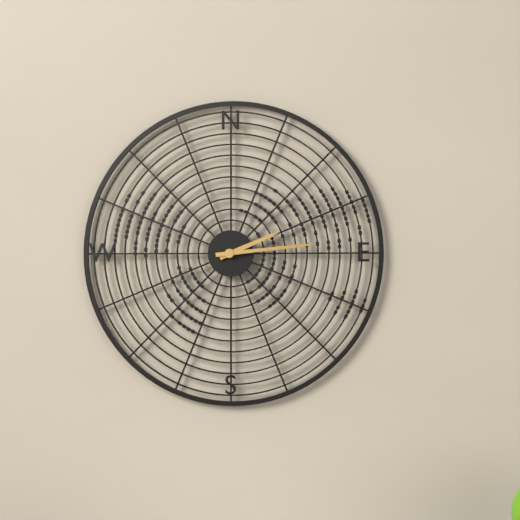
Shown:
2h14
